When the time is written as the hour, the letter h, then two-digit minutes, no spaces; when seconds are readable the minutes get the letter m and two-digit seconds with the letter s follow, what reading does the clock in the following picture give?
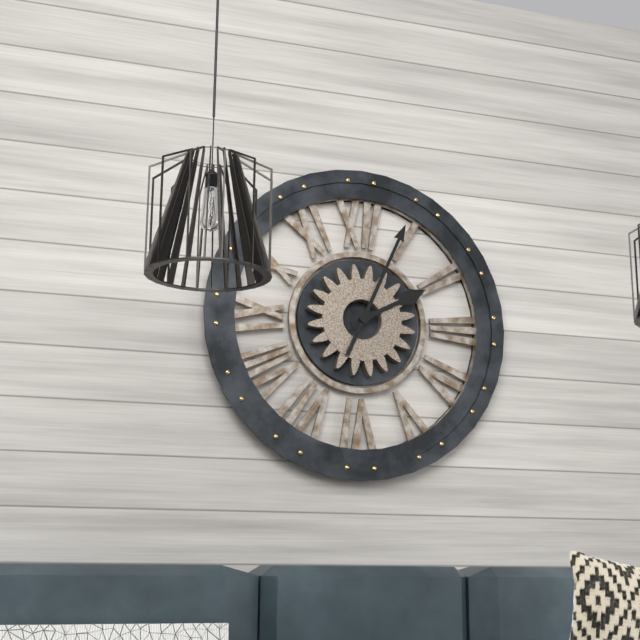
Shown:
2h04
